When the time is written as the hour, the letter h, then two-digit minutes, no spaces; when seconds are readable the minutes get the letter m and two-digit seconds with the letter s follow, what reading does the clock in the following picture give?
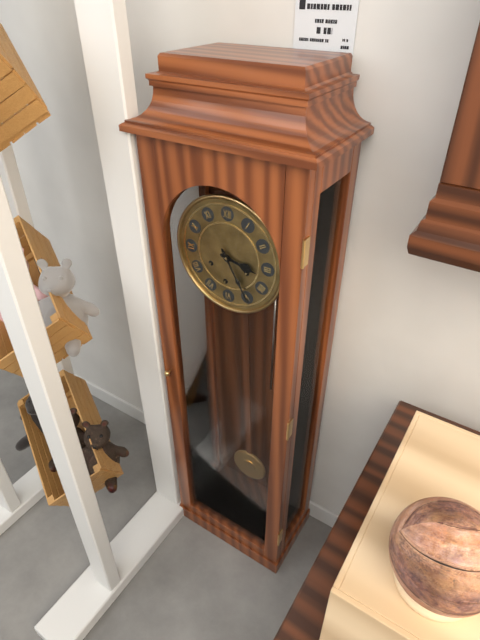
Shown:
3h25
